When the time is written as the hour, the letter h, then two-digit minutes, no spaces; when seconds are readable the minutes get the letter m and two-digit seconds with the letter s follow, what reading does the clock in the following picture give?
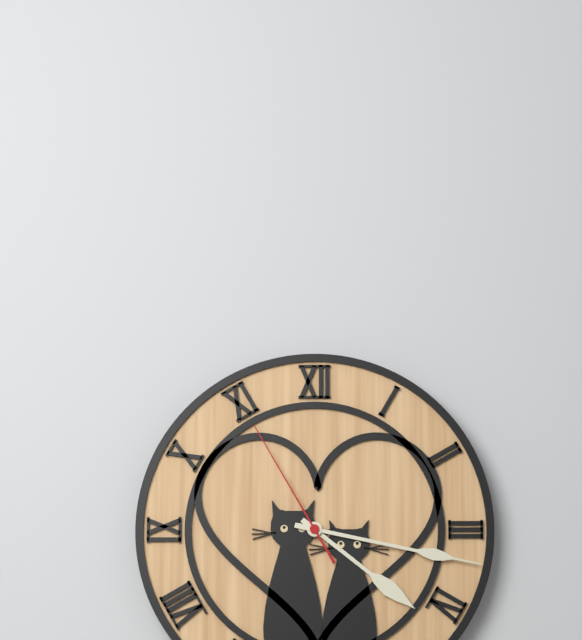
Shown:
4h17m55s
